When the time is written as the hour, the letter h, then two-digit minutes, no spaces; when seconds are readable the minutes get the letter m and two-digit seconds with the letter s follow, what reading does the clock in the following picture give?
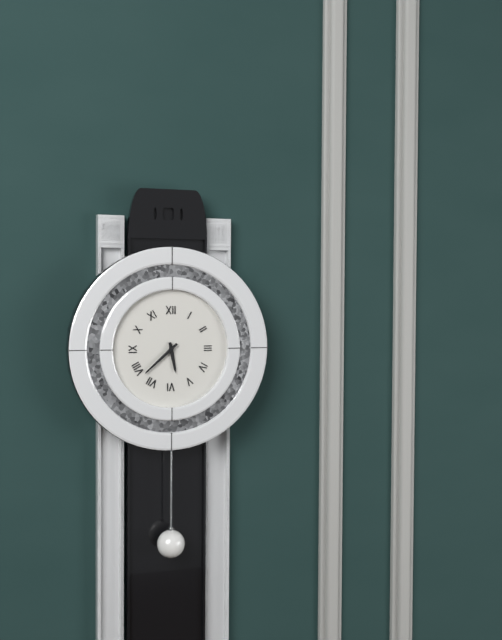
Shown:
5h38
